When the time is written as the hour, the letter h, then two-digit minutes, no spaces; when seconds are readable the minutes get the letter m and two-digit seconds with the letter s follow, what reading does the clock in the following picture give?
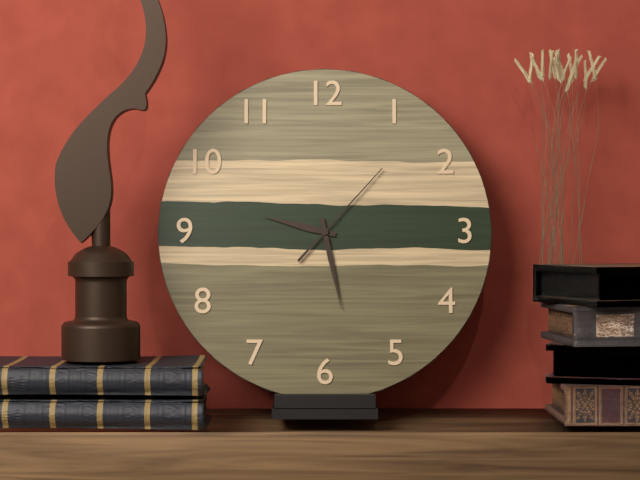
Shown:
9h28m07s
